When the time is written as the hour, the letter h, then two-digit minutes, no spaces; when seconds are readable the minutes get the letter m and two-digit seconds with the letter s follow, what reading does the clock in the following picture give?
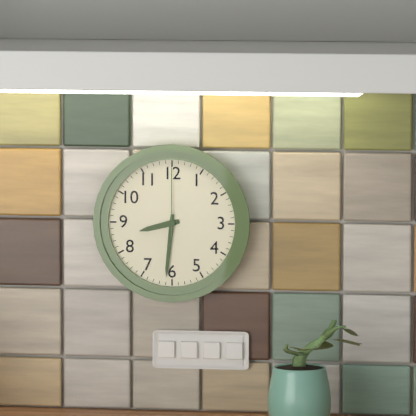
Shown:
8h31m00s
